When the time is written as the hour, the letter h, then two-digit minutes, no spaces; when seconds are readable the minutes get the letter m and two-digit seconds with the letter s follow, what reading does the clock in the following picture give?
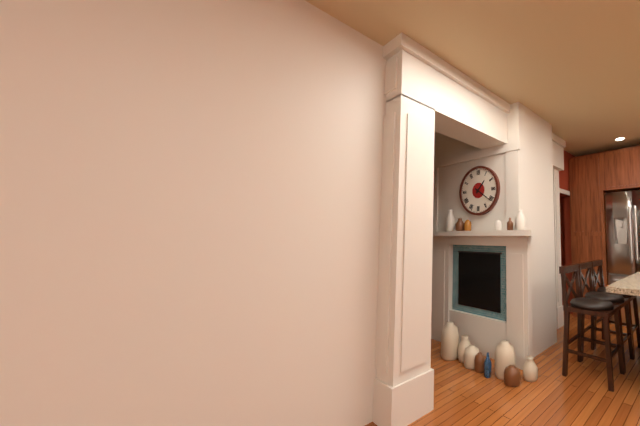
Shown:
1h21
